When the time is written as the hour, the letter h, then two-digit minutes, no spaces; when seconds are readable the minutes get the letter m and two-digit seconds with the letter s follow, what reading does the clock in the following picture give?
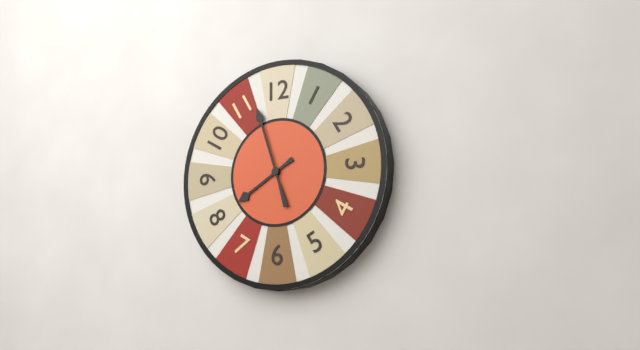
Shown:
7h57
